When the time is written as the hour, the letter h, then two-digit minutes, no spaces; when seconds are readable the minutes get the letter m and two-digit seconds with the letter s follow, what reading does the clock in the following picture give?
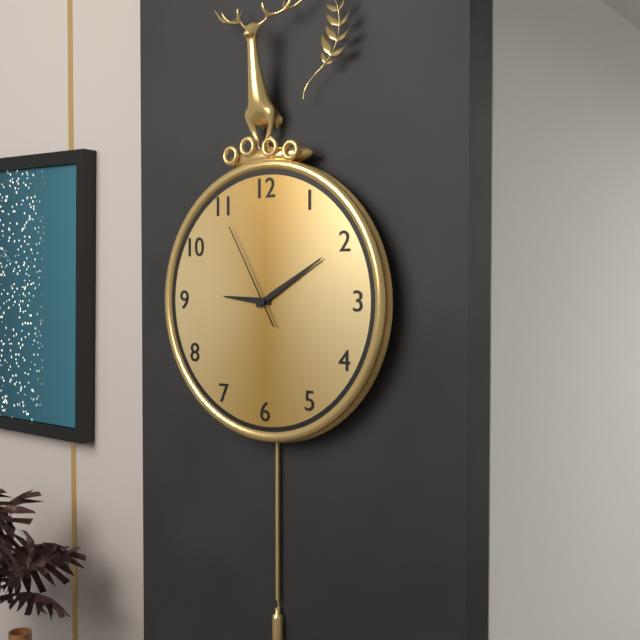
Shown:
9h10m55s
